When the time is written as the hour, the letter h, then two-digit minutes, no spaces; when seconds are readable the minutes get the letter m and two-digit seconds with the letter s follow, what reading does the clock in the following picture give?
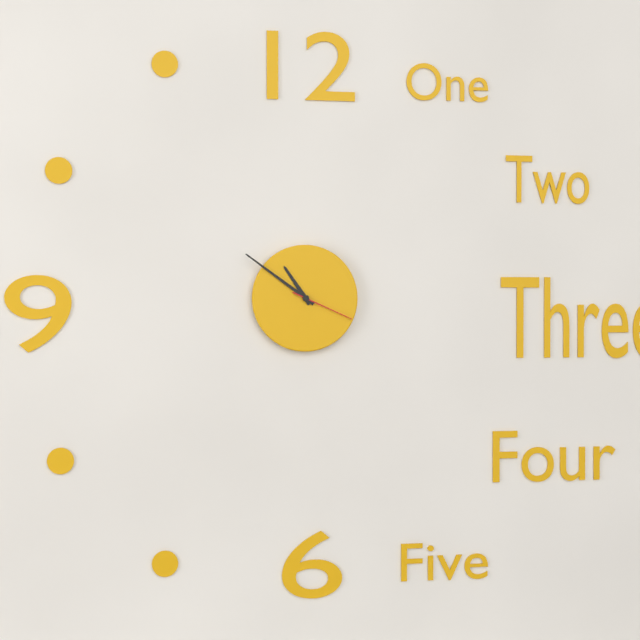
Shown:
10h51m19s
